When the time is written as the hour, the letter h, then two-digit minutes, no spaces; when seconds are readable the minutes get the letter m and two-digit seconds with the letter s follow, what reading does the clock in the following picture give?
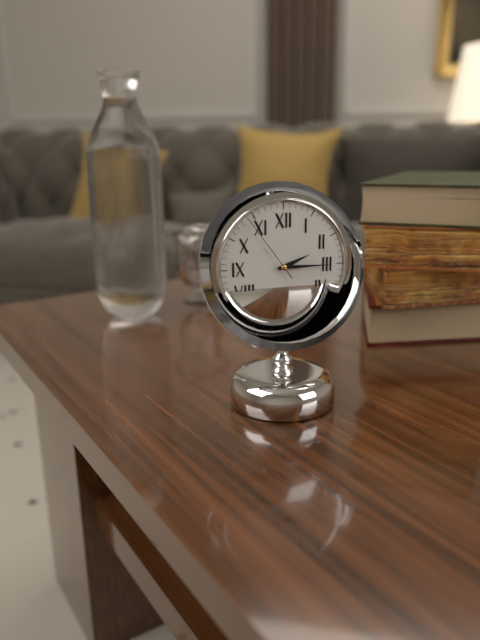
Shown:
2h15m54s
